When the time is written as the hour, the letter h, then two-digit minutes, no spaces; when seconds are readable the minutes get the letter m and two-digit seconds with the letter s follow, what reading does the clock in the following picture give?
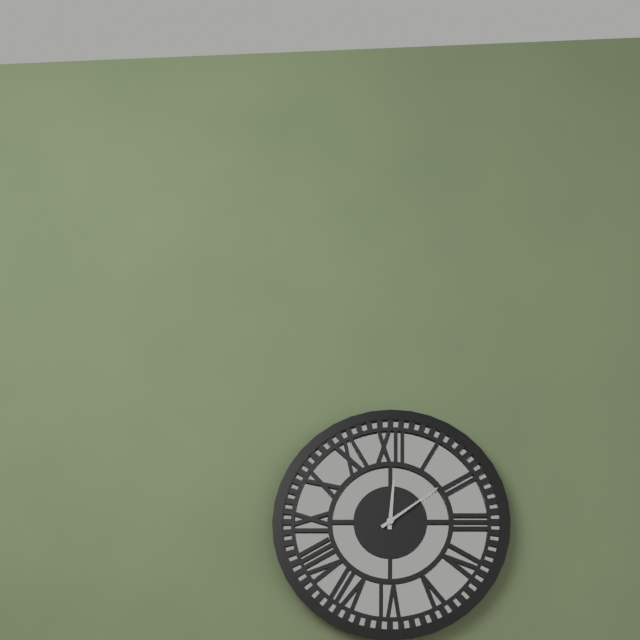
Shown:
12h09
